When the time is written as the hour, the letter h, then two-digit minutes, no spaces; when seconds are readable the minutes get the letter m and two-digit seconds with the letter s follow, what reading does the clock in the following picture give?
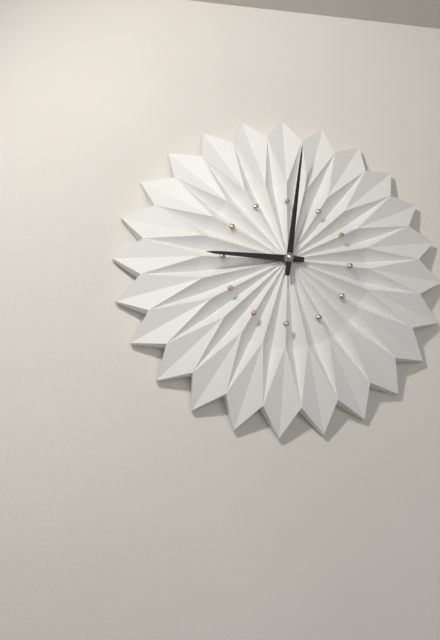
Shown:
9h01
